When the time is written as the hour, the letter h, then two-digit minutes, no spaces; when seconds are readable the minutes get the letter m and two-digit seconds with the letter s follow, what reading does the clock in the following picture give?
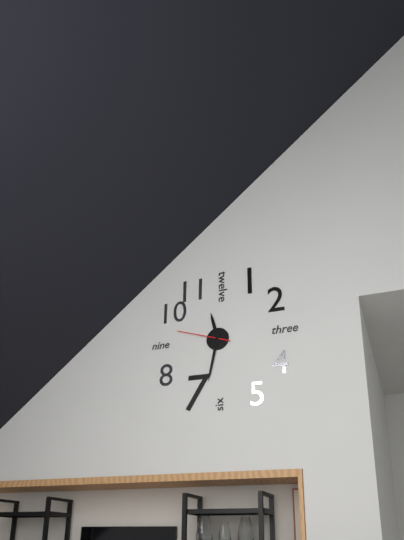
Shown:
11h32m48s
